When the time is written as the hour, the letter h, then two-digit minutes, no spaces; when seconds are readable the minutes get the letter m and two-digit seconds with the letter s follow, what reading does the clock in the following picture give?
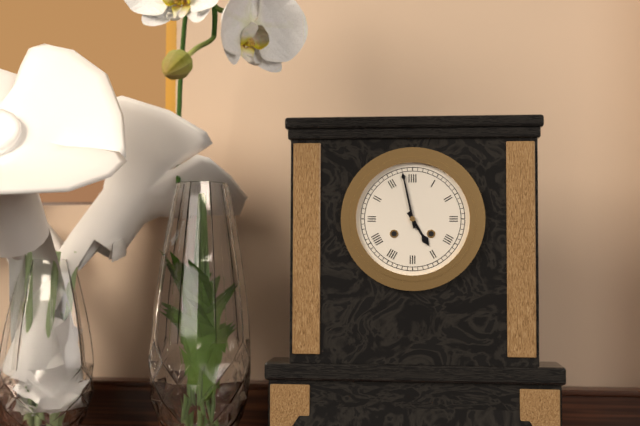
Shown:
4h58
